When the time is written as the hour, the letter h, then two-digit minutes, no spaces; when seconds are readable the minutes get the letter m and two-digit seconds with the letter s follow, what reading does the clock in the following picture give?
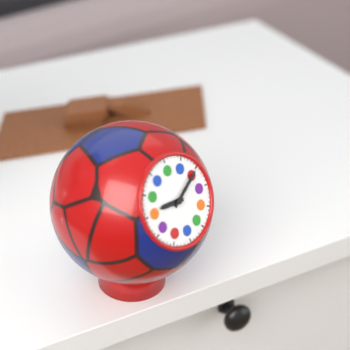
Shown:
9h10
